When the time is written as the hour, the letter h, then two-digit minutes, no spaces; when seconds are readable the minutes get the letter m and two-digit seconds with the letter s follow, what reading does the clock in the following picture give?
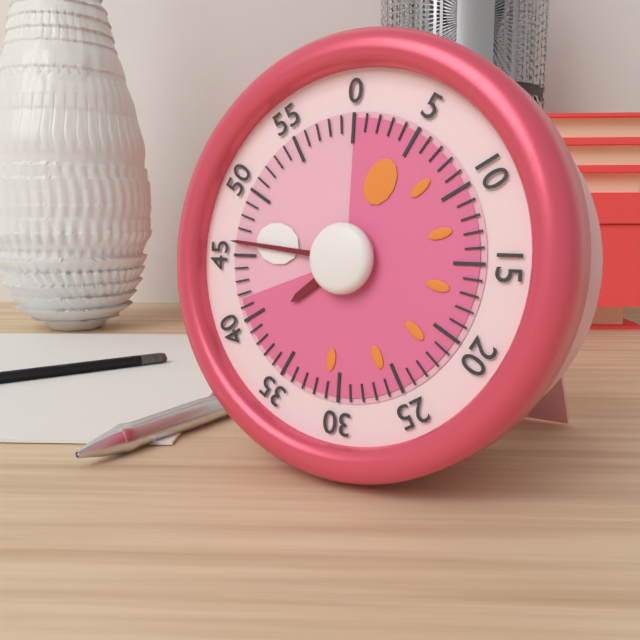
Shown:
7h46
